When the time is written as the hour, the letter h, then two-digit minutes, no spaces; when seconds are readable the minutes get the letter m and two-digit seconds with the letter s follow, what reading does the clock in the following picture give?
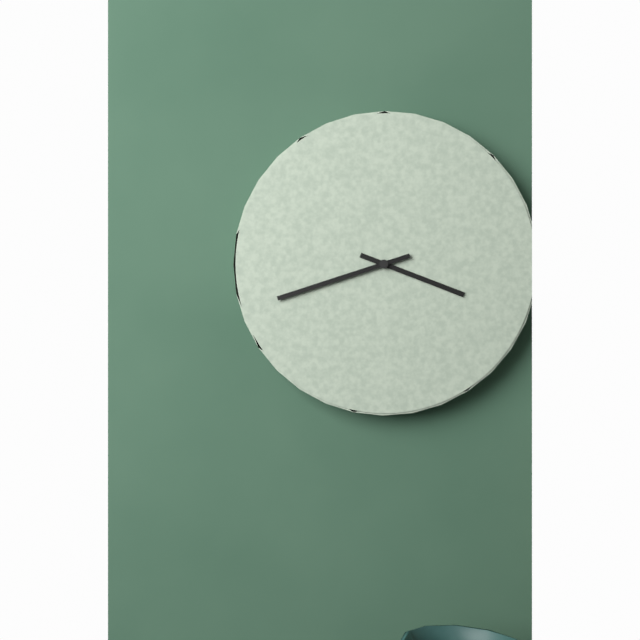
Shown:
3h42
